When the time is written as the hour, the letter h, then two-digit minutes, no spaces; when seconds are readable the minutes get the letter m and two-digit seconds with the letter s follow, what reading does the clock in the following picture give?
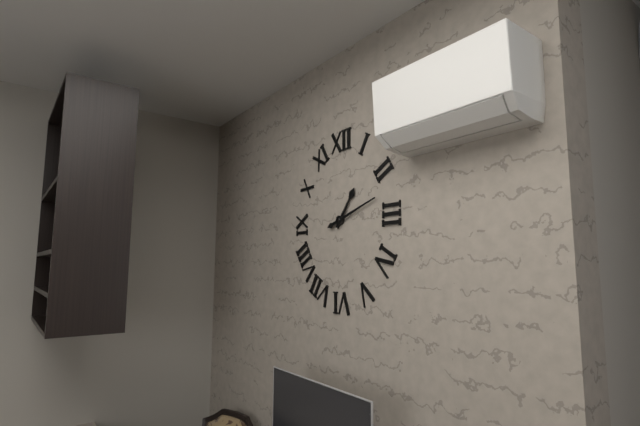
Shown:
1h12
